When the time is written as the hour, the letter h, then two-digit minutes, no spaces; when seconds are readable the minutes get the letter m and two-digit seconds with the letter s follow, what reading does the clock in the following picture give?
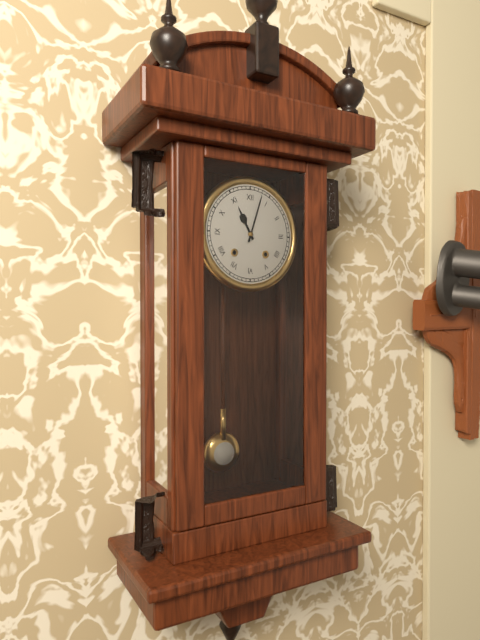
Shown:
11h03
